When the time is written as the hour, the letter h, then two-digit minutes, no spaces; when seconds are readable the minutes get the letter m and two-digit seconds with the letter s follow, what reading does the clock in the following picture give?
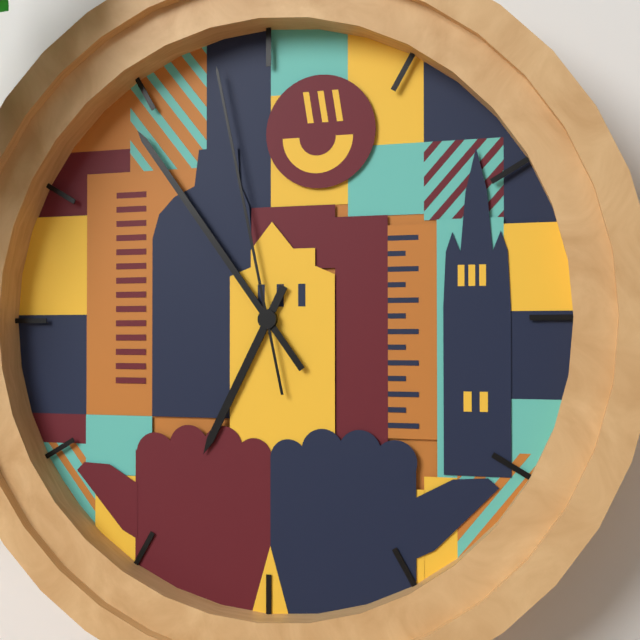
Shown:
6h54m58s
